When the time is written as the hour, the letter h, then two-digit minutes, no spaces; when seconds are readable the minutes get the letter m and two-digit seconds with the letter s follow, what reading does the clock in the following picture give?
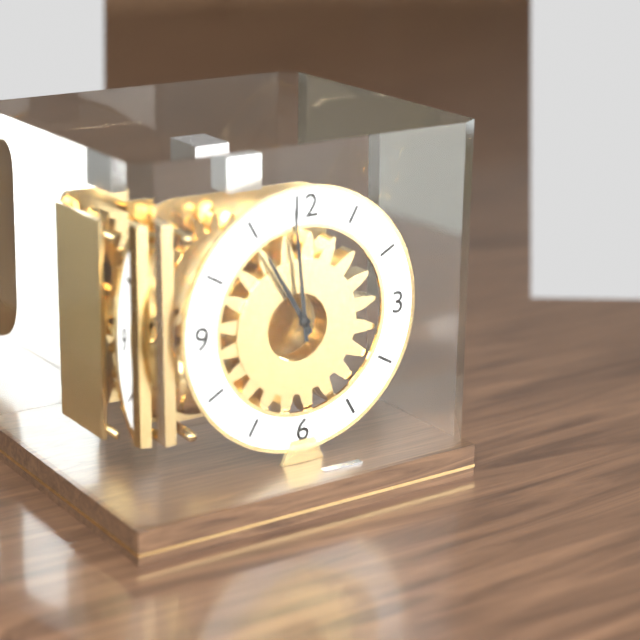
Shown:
10h59
